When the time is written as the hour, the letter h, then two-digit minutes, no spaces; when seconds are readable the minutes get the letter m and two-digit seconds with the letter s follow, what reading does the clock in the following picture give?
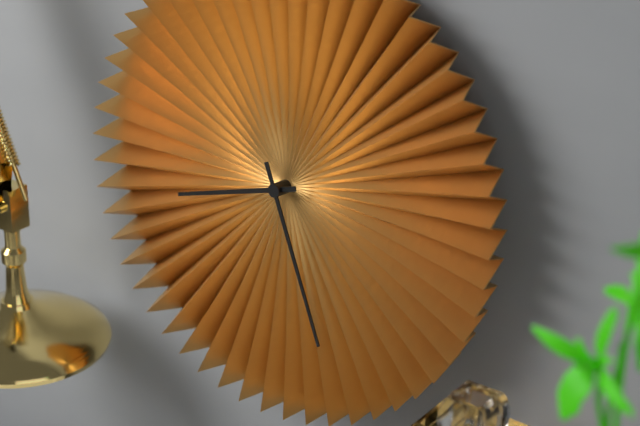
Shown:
8h26
